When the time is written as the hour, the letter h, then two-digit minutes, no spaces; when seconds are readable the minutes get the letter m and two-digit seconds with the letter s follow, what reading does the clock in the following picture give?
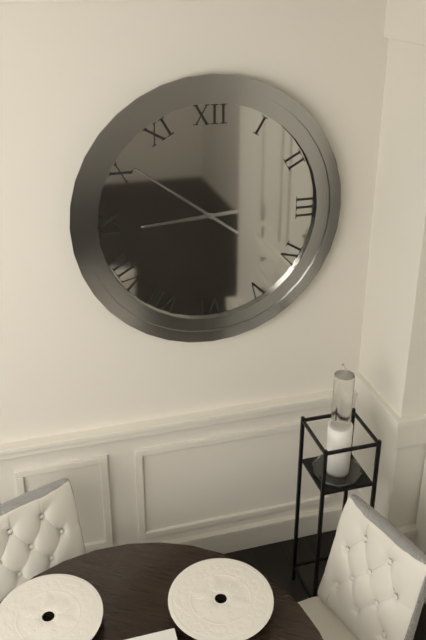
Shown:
8h51
